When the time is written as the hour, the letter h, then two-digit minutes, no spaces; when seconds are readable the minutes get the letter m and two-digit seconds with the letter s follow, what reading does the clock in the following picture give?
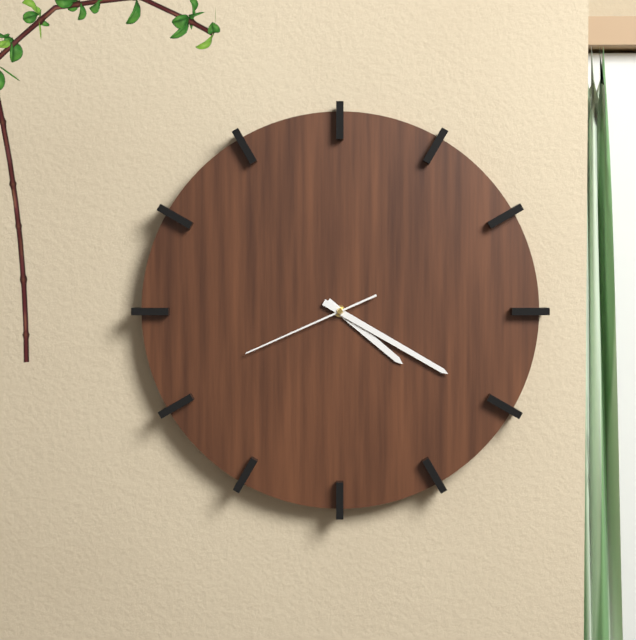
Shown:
4h20m41s
